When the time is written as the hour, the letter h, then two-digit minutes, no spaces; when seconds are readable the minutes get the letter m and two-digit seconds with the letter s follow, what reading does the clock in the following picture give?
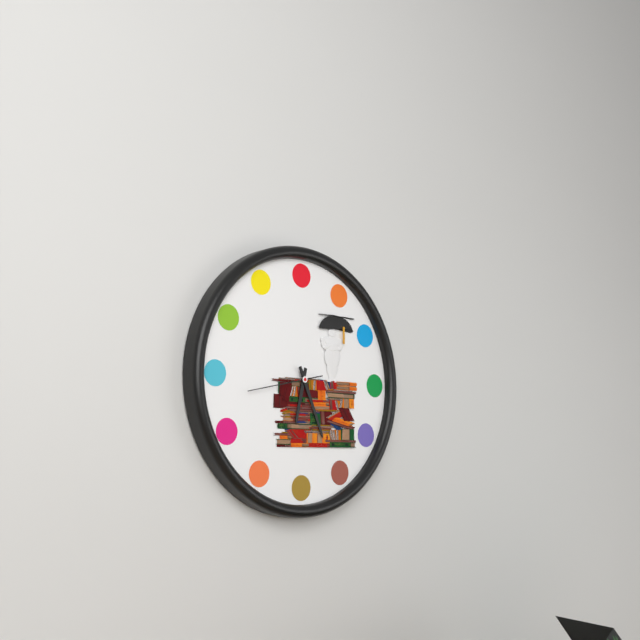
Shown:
6h26m43s
